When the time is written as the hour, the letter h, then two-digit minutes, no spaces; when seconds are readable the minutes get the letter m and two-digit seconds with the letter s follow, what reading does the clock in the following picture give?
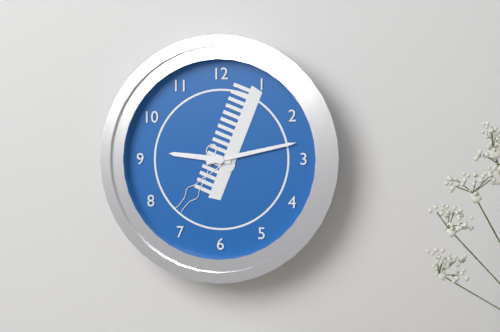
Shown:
9h13
